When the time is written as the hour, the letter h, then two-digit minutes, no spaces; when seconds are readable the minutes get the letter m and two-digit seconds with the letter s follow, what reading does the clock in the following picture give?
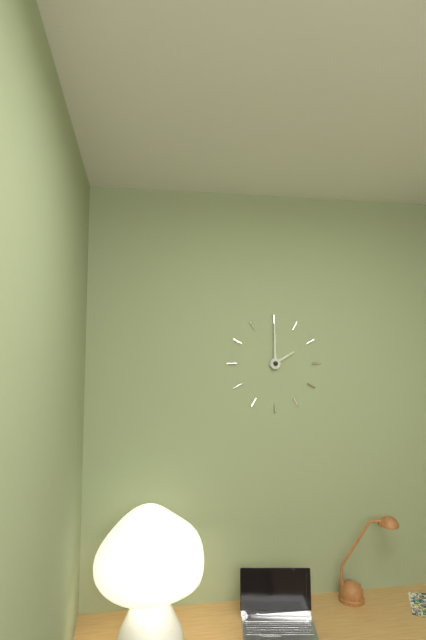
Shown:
2h00
